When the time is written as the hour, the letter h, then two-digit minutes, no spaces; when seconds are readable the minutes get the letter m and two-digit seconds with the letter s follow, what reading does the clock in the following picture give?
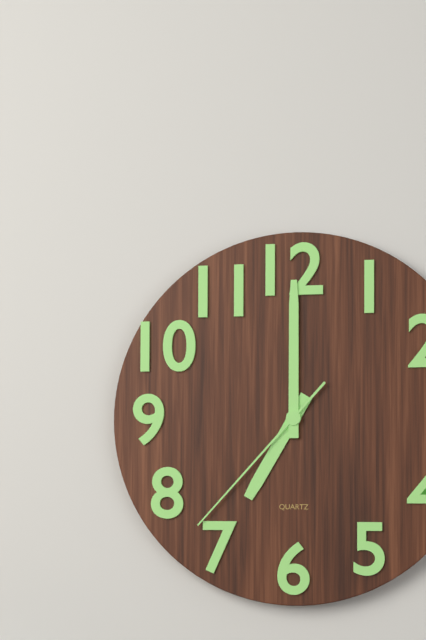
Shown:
7h00m37s
